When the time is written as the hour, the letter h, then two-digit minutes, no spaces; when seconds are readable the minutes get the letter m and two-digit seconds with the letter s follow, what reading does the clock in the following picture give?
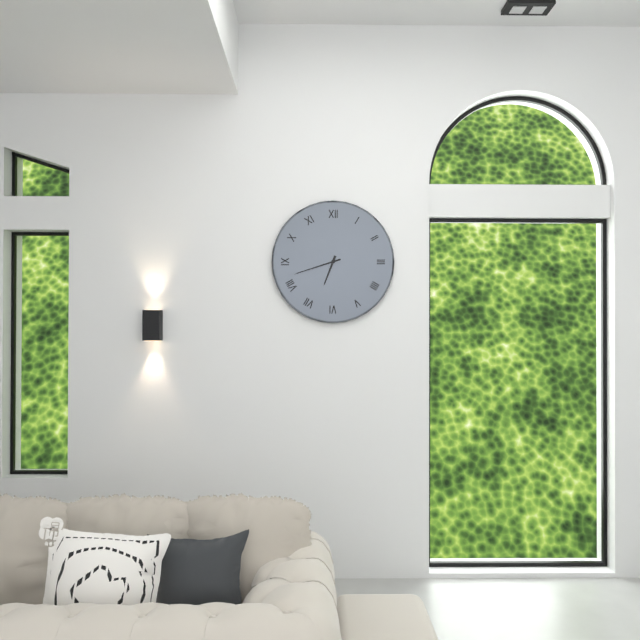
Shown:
6h42
